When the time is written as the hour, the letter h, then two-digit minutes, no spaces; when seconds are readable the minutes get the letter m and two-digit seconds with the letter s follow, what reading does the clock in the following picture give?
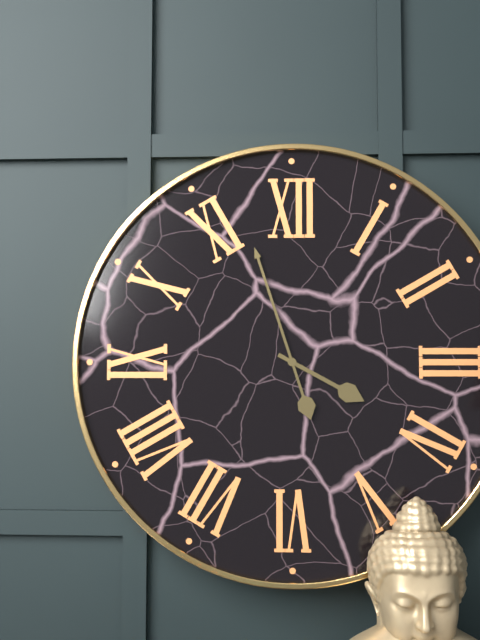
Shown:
3h57
